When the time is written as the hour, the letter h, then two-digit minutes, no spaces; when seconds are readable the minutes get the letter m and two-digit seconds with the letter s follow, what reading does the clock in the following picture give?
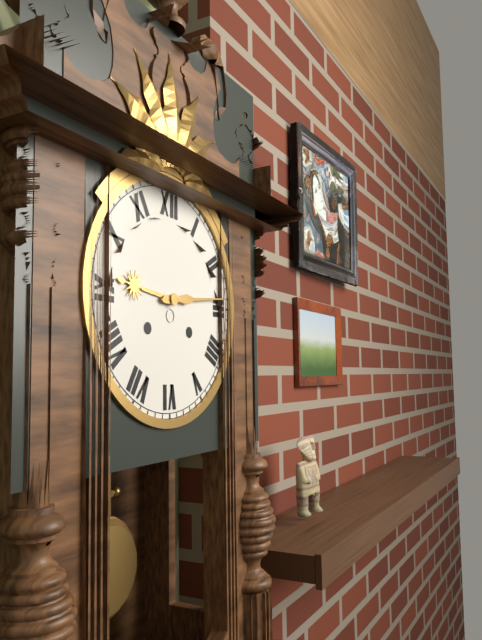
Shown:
9h14
